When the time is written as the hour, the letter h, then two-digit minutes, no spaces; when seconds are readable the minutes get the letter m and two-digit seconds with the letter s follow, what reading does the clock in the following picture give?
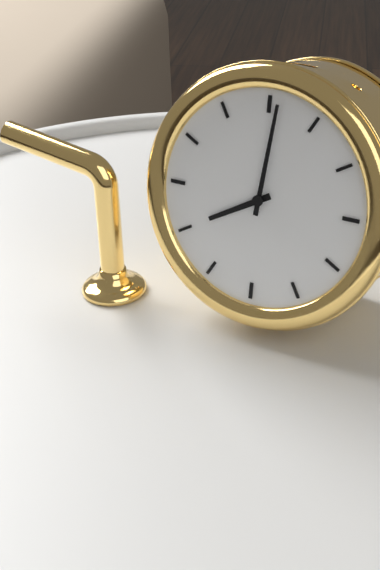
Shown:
8h01
